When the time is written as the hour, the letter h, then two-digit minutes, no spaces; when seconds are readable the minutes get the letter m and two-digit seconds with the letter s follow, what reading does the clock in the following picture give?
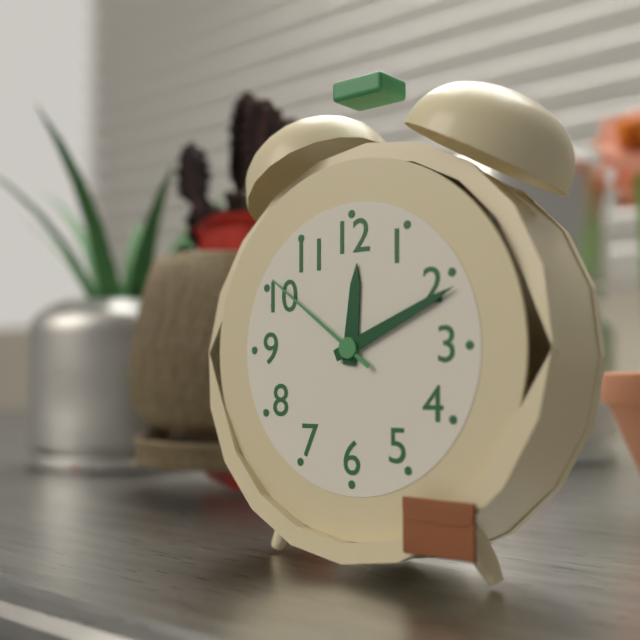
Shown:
12h11m51s
